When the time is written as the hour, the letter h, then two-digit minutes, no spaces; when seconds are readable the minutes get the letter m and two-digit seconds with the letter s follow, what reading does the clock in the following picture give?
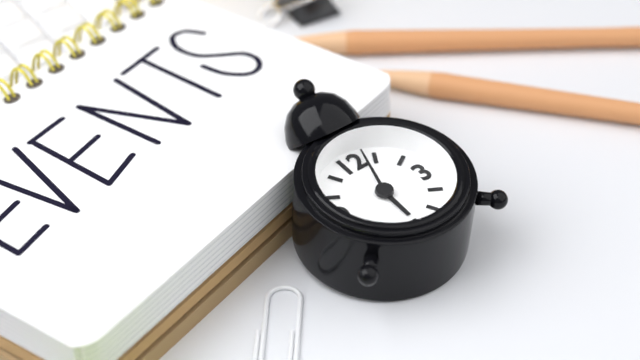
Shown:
6h03
